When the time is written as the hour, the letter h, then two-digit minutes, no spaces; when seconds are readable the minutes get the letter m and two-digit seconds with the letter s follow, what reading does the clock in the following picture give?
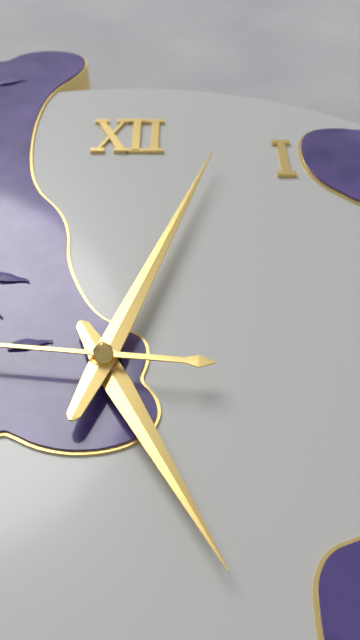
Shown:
5h03
